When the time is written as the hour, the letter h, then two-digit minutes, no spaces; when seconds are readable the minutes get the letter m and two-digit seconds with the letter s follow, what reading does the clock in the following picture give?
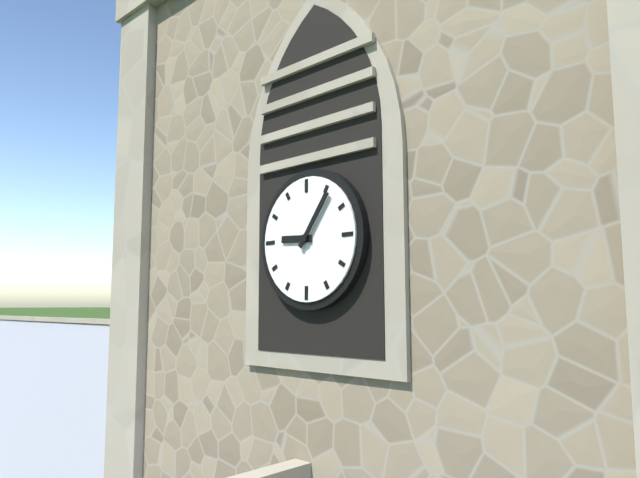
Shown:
9h06
